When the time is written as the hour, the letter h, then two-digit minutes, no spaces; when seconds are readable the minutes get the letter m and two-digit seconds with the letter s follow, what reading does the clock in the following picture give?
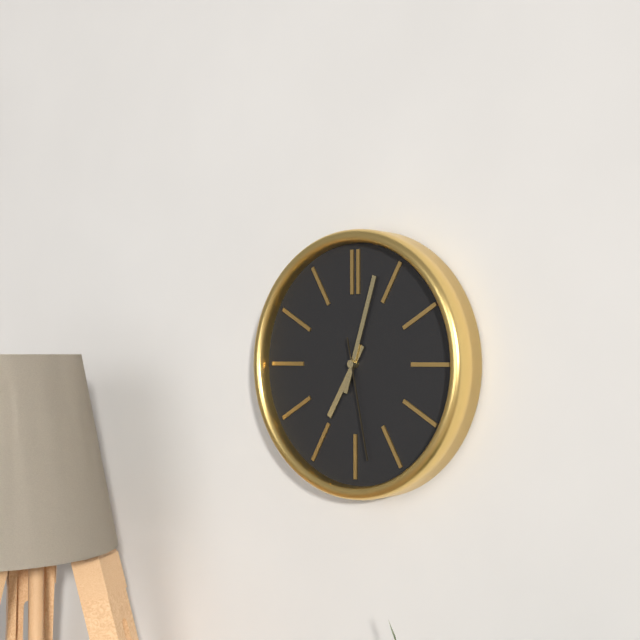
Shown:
7h03m28s
